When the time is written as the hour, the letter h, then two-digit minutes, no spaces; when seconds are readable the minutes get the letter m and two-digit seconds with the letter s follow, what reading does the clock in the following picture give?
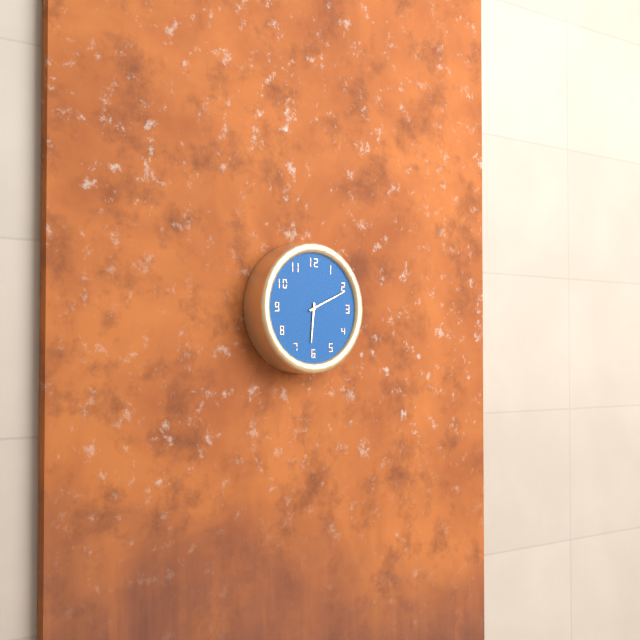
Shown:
6h11
